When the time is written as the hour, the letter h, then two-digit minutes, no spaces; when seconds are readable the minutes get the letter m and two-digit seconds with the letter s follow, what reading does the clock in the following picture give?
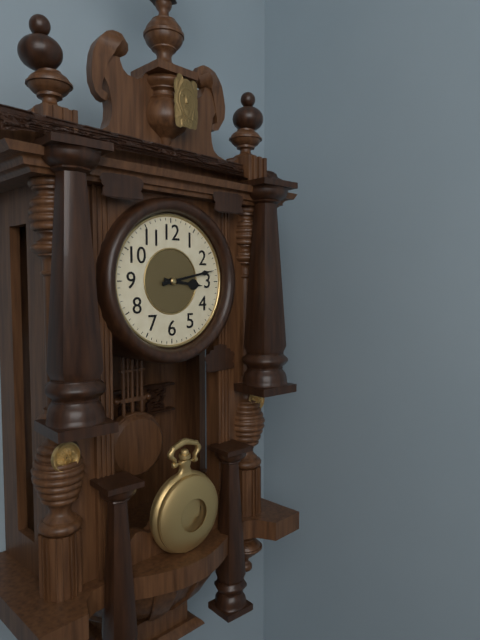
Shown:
3h13
